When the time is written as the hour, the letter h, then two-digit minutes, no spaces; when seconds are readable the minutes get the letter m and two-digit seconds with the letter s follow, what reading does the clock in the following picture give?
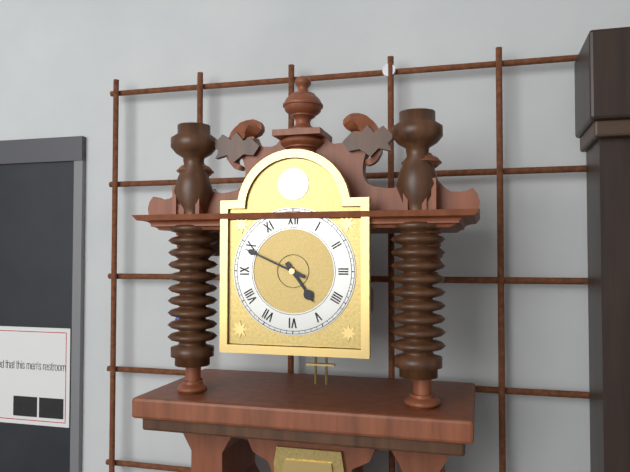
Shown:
4h49
